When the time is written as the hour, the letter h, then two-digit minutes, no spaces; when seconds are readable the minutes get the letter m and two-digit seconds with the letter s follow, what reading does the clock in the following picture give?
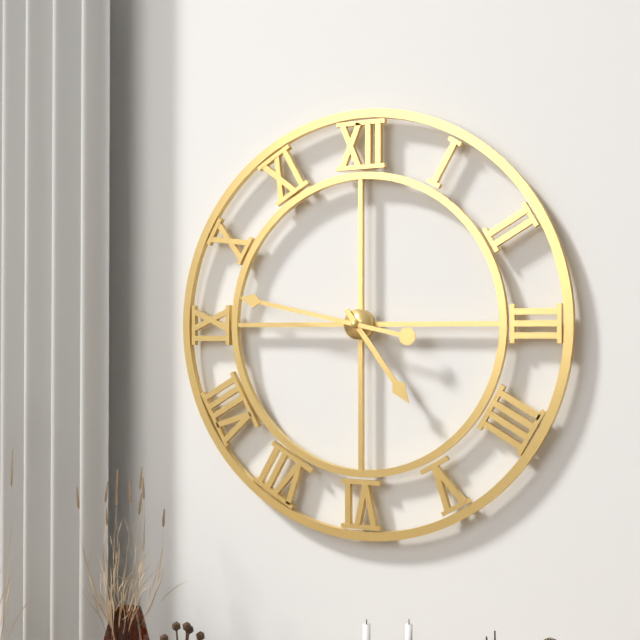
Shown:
4h47
